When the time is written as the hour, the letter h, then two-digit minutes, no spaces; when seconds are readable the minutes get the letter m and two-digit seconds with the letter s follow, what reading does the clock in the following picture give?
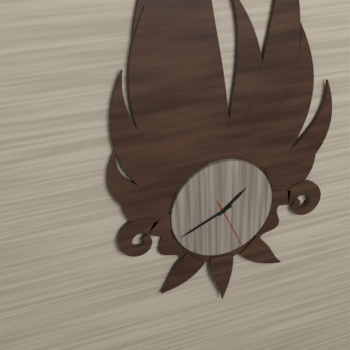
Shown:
1h41m26s
